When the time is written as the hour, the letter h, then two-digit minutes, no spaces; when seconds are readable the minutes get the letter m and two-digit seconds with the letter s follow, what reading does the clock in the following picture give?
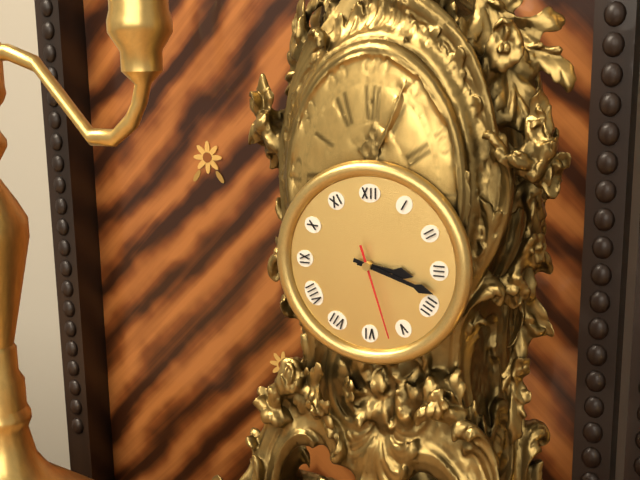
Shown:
3h18m27s
